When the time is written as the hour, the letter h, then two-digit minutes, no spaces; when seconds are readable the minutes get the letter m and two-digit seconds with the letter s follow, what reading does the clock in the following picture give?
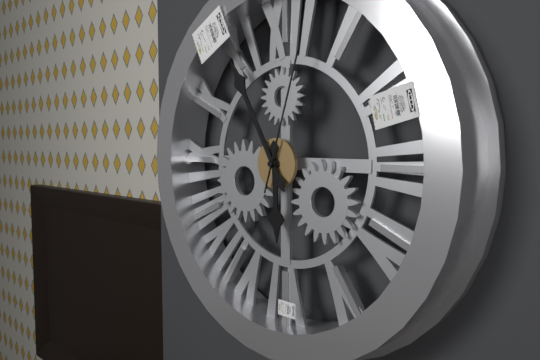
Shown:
5h55m03s
